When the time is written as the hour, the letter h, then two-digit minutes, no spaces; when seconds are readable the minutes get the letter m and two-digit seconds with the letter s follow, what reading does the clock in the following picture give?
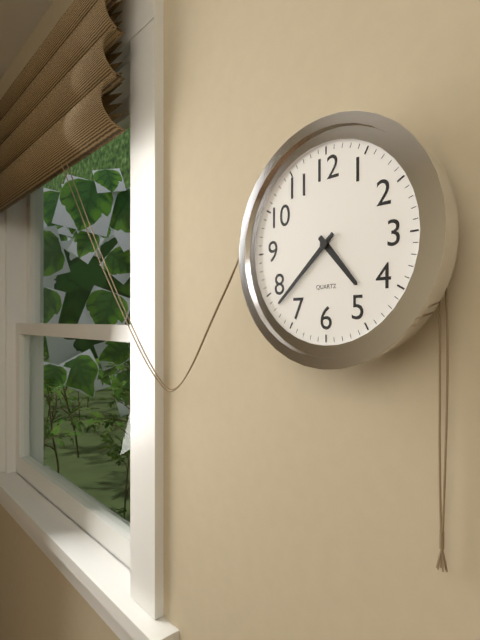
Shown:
4h38
